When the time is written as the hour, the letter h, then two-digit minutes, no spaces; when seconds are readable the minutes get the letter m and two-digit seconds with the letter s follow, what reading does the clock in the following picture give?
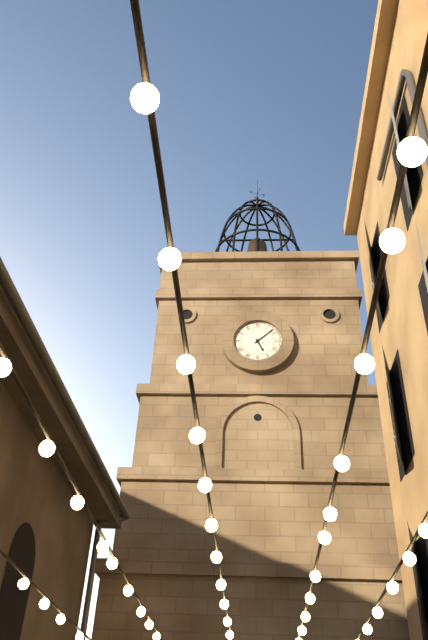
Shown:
5h08
